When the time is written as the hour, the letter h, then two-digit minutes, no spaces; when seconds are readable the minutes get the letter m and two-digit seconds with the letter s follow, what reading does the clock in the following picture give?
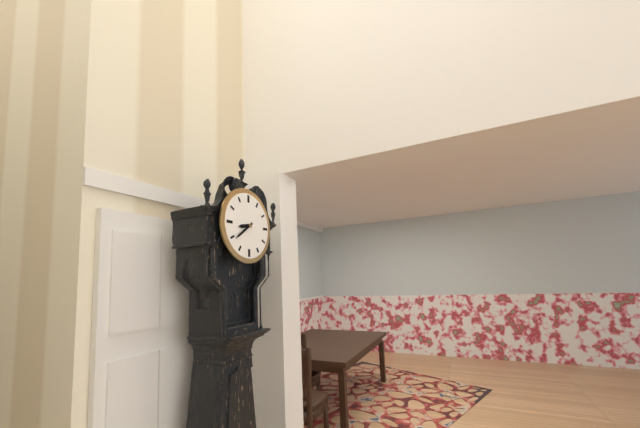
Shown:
8h39
